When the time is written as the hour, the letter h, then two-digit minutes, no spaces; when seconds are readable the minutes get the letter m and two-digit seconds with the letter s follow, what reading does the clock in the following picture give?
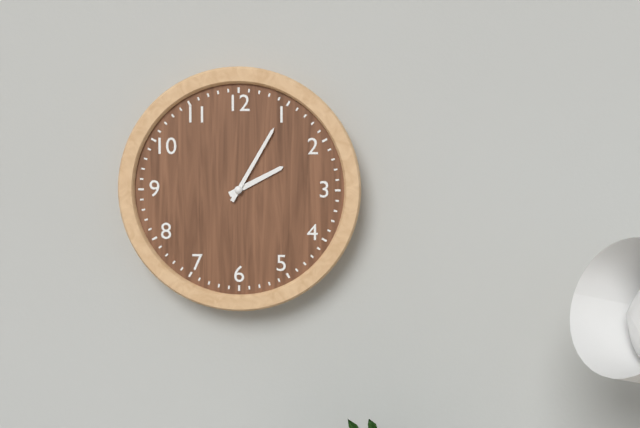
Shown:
2h05
